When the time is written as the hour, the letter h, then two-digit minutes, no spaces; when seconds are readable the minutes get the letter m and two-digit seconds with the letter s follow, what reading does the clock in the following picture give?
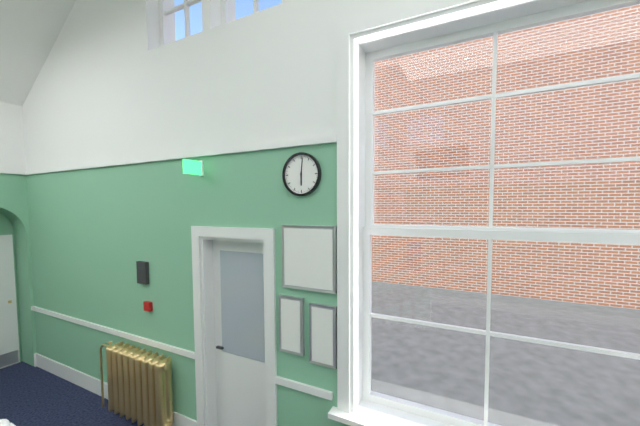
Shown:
6h01
